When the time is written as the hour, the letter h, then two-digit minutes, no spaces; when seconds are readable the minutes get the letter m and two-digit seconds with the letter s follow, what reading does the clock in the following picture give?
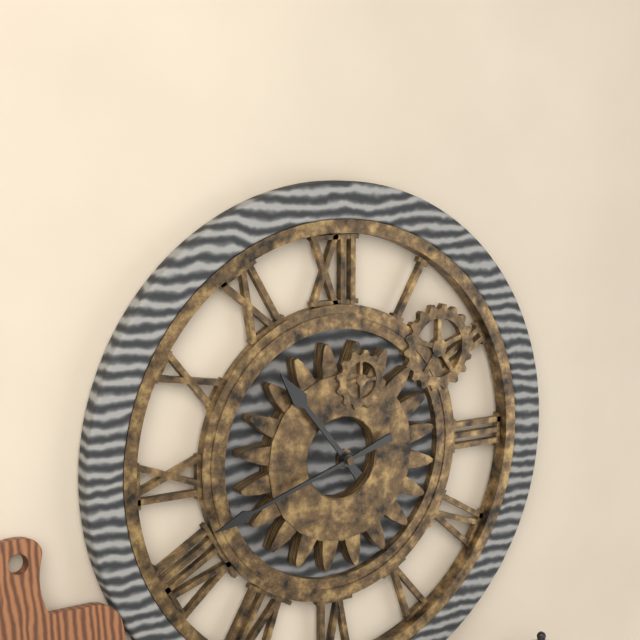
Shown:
10h42
